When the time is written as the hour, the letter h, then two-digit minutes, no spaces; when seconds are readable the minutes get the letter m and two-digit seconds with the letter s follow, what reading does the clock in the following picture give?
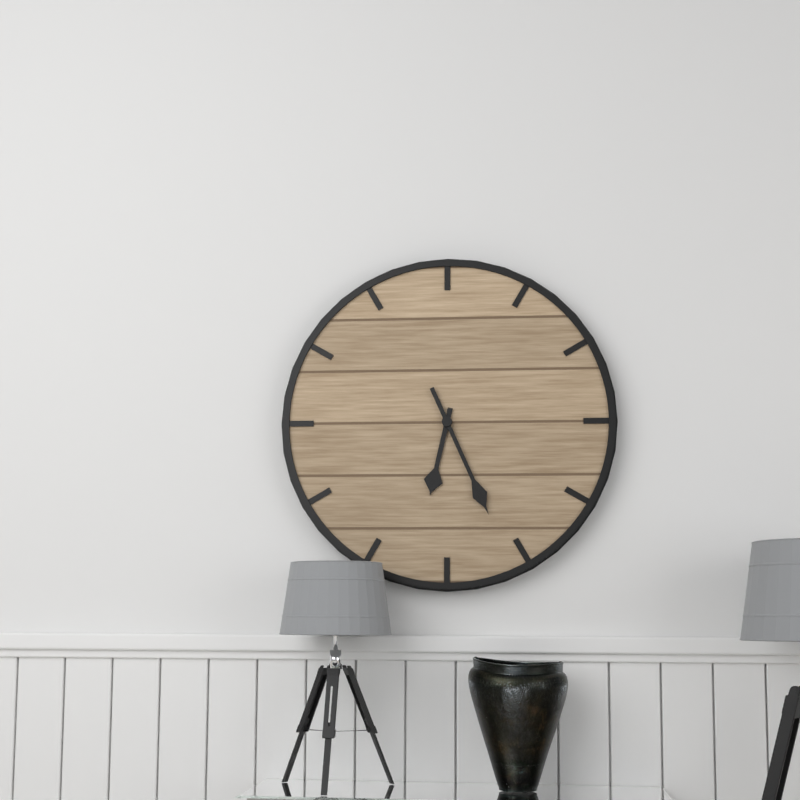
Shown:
6h26
